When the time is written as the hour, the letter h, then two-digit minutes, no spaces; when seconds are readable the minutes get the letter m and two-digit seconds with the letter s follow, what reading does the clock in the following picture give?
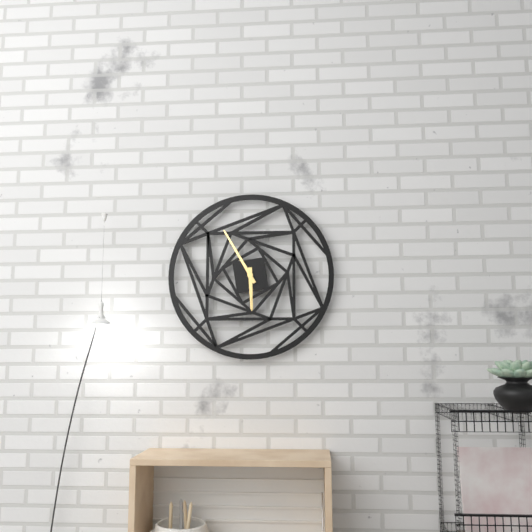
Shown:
5h55
